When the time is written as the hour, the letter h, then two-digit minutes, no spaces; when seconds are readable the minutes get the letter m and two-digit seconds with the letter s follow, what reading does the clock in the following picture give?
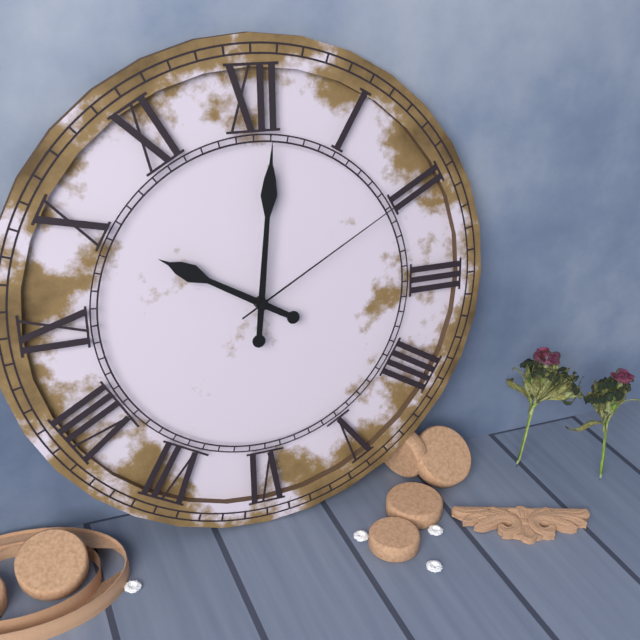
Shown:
10h01m10s
